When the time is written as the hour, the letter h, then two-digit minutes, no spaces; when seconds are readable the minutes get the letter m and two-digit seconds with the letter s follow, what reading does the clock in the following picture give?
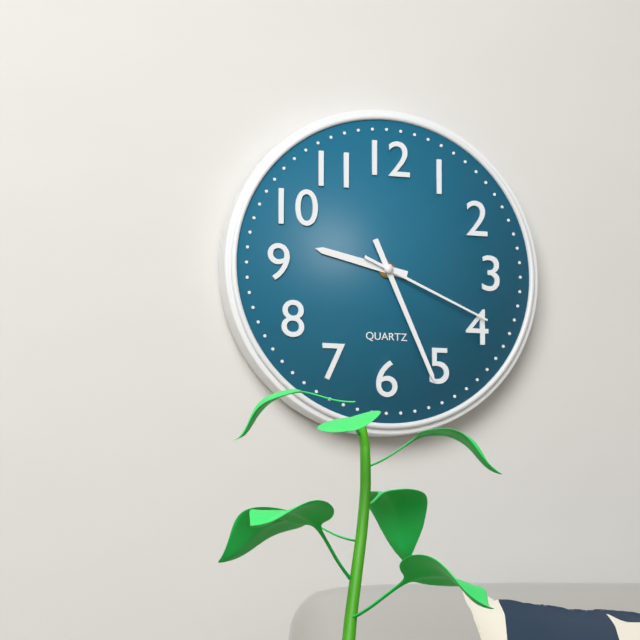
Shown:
9h26m19s
